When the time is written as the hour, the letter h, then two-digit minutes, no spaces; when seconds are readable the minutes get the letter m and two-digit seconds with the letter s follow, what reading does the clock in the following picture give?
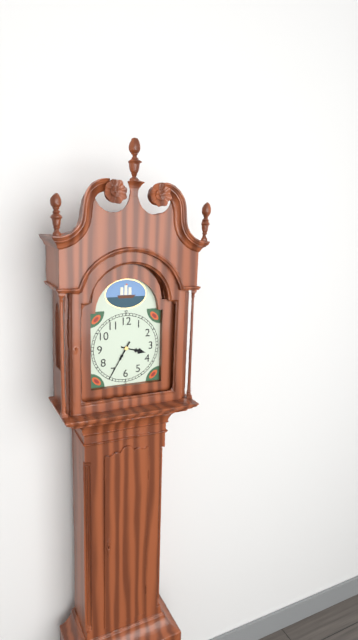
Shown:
3h35
